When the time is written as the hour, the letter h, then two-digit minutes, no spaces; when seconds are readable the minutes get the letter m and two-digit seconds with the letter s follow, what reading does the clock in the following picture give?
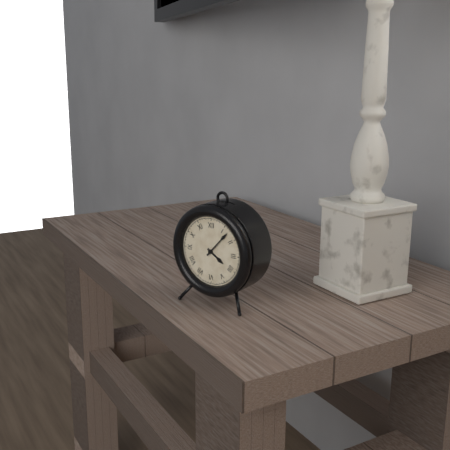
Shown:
4h07
